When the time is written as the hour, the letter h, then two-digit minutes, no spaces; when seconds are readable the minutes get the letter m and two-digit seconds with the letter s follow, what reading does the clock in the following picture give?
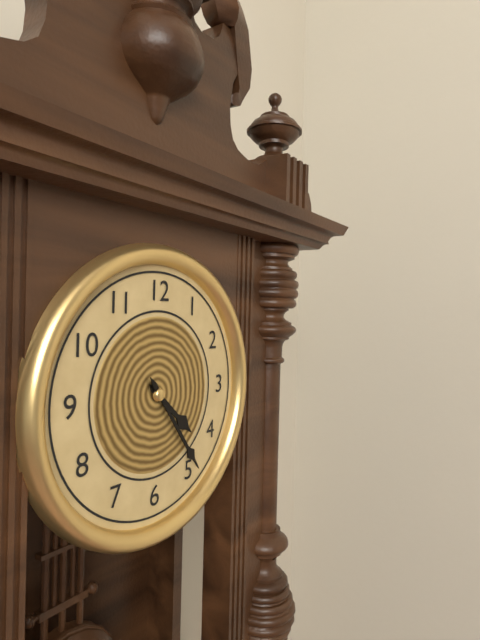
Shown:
4h24
